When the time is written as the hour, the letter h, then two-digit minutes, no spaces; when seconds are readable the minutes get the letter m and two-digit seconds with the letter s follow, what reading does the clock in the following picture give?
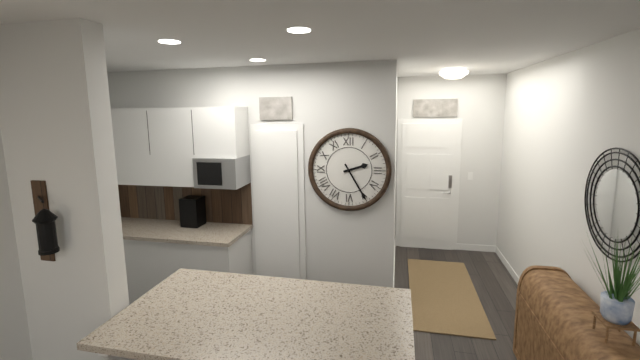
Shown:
2h25
